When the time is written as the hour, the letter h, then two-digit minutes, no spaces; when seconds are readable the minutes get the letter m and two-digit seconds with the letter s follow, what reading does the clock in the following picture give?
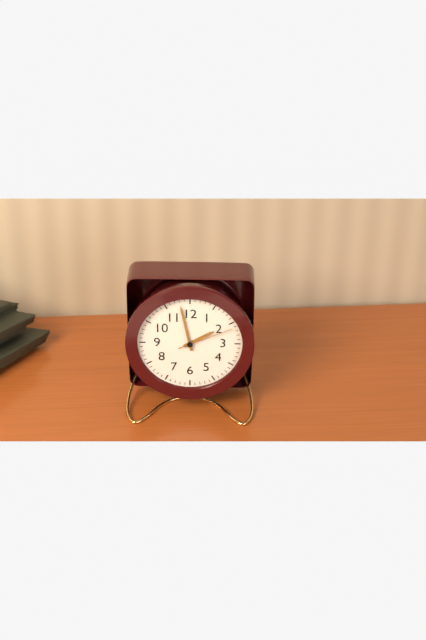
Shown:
1h58m11s
